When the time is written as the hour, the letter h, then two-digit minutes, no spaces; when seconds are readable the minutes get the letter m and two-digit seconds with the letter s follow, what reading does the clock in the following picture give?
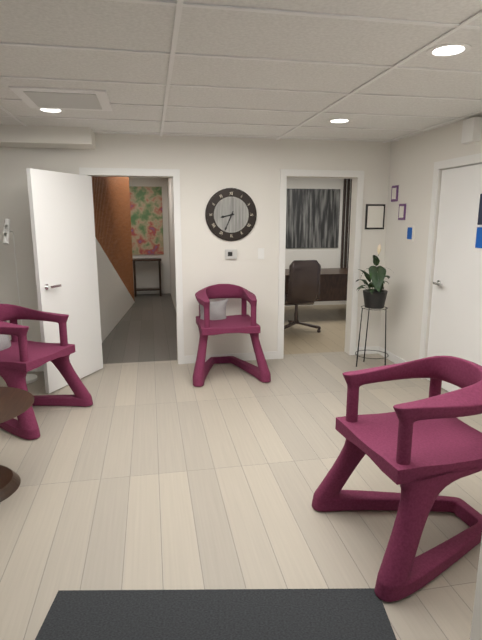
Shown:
8h34
